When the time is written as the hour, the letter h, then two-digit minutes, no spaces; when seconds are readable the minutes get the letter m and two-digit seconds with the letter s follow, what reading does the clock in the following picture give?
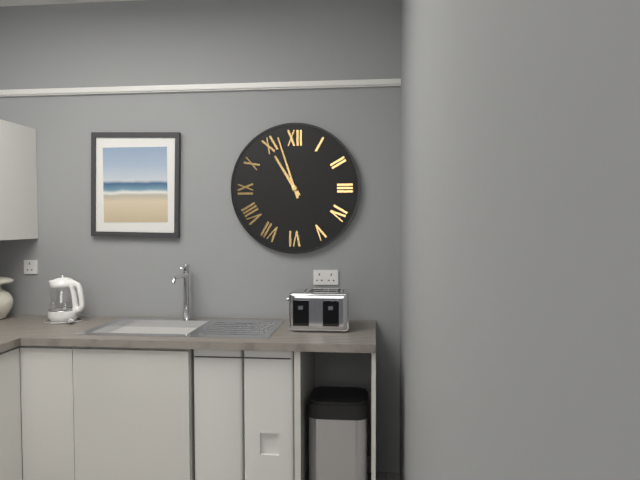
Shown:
10h57
